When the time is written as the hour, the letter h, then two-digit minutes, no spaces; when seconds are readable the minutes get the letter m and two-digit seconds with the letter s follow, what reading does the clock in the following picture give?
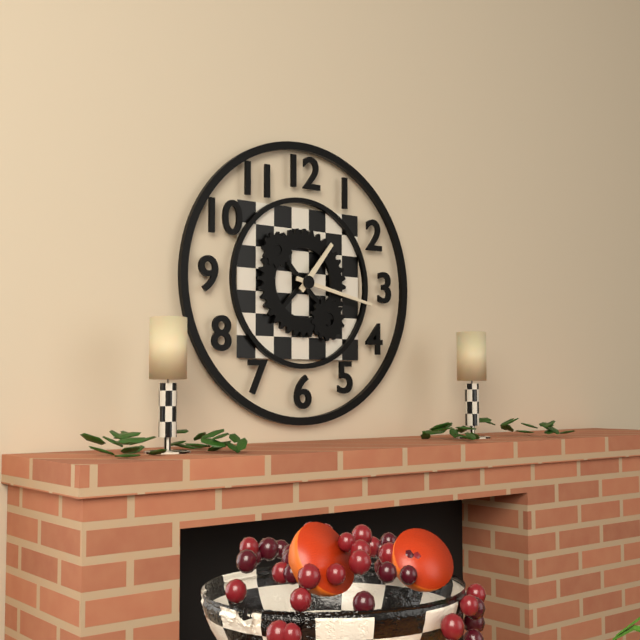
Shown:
1h17
